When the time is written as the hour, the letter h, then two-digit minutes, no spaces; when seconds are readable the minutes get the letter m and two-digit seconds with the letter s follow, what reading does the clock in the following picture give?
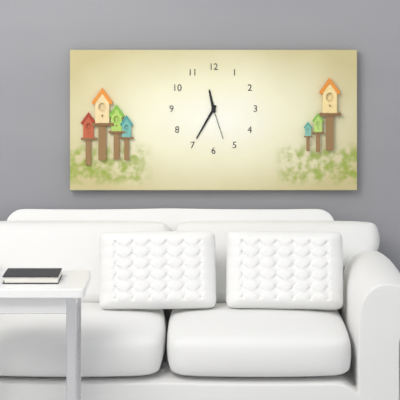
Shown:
11h35
